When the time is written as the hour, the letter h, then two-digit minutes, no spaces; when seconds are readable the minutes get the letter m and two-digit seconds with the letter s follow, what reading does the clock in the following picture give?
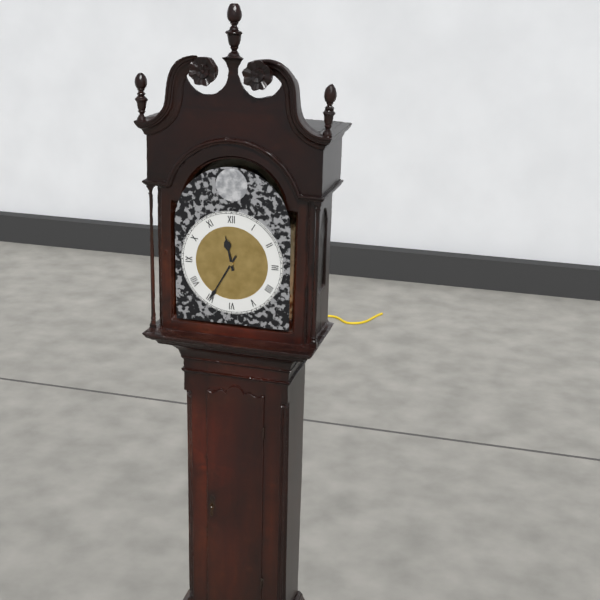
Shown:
11h35
